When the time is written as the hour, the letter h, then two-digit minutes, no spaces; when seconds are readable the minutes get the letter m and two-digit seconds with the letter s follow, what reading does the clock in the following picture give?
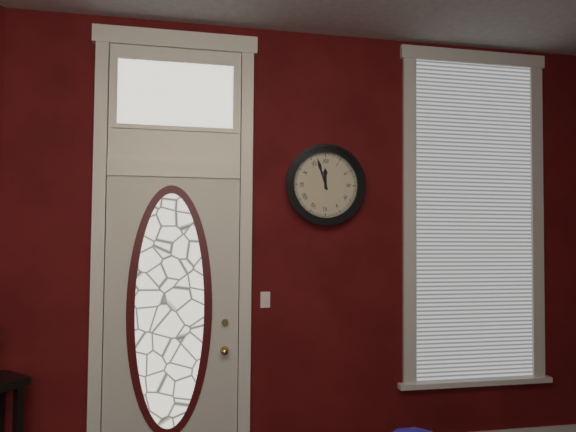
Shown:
11h57
